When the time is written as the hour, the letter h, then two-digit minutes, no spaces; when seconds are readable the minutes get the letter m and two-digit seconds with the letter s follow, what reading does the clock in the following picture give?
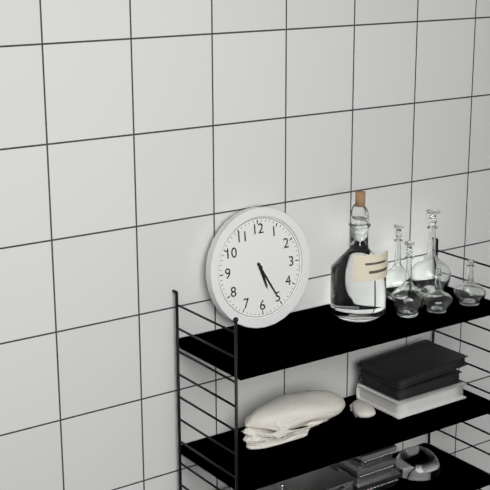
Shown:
5h25
